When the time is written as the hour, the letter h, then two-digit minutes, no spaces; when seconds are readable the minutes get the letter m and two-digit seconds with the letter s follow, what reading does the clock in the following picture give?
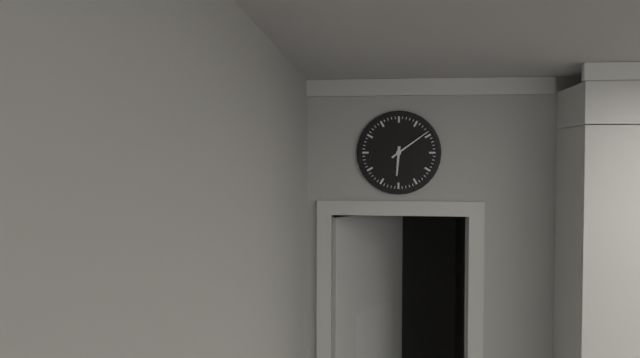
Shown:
6h09
